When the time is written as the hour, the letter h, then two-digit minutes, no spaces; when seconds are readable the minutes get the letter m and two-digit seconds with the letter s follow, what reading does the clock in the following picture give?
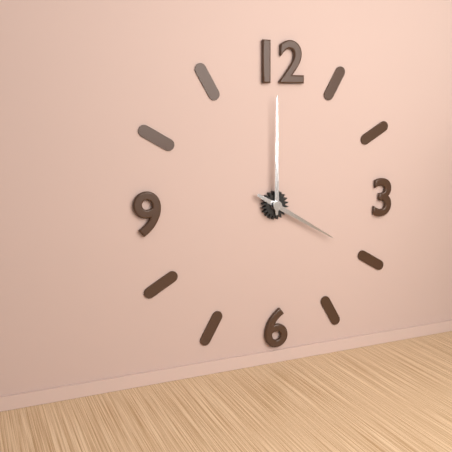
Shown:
4h00
